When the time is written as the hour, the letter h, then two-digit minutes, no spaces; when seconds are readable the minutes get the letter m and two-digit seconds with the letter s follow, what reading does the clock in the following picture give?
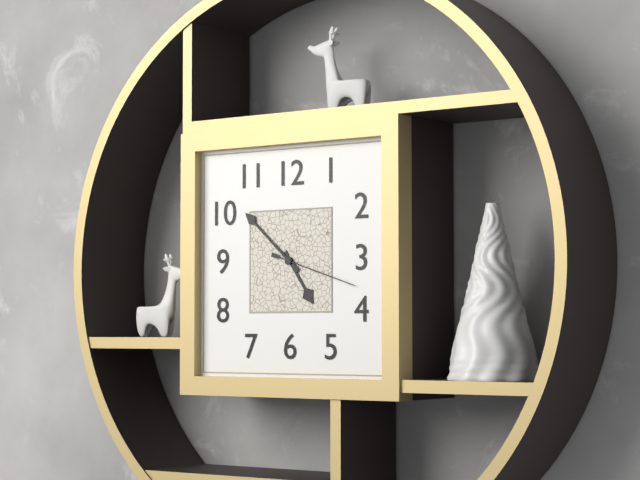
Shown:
4h52m18s
